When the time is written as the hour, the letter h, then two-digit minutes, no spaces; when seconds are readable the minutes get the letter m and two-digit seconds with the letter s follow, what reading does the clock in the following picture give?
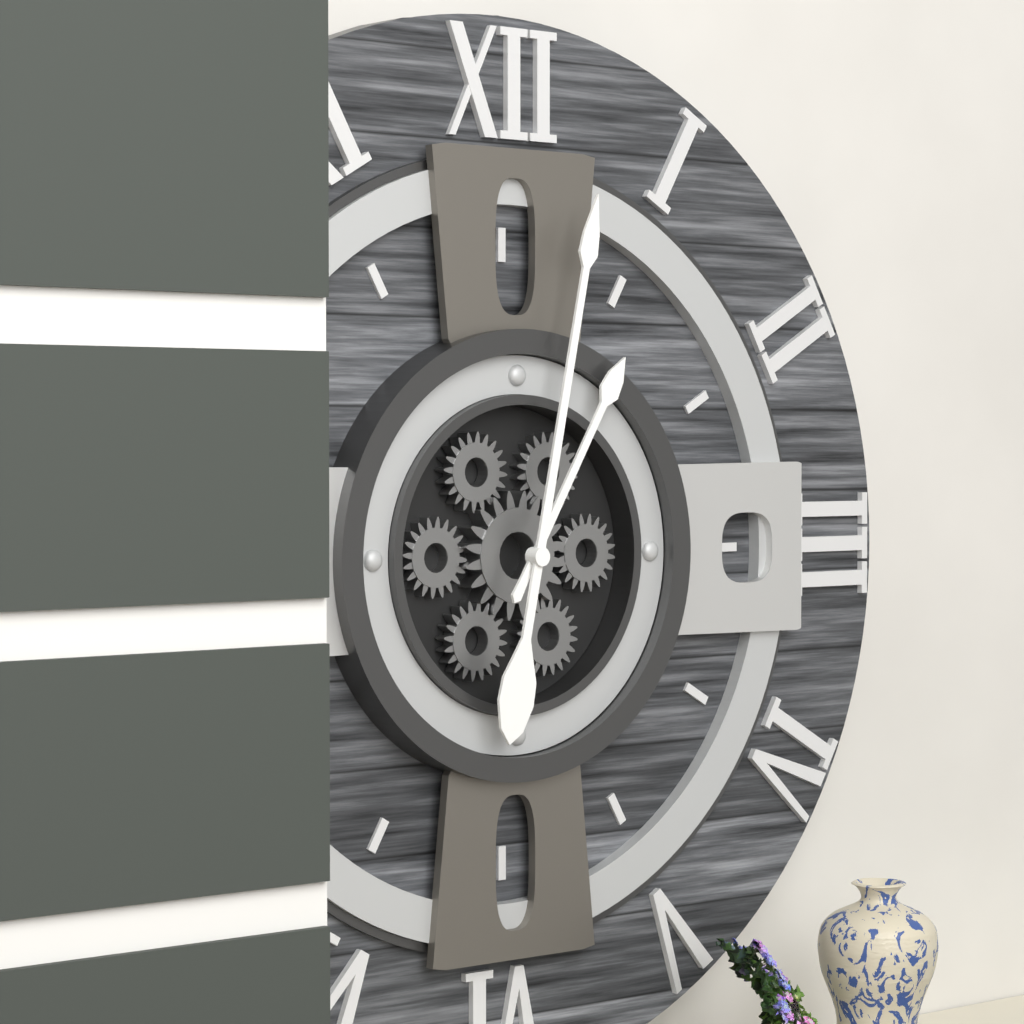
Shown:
1h02
